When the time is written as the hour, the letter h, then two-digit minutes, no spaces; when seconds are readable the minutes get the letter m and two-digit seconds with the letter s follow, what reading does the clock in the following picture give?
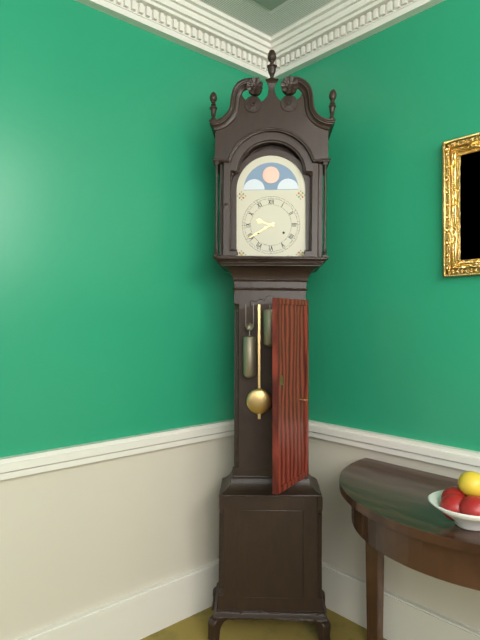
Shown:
9h40
